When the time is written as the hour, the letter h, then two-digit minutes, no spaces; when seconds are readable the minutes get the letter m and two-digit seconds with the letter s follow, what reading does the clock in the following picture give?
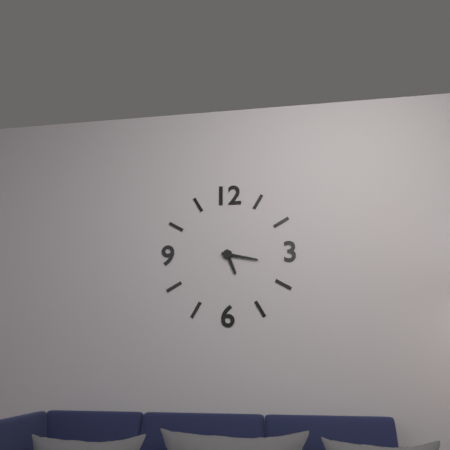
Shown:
5h17
